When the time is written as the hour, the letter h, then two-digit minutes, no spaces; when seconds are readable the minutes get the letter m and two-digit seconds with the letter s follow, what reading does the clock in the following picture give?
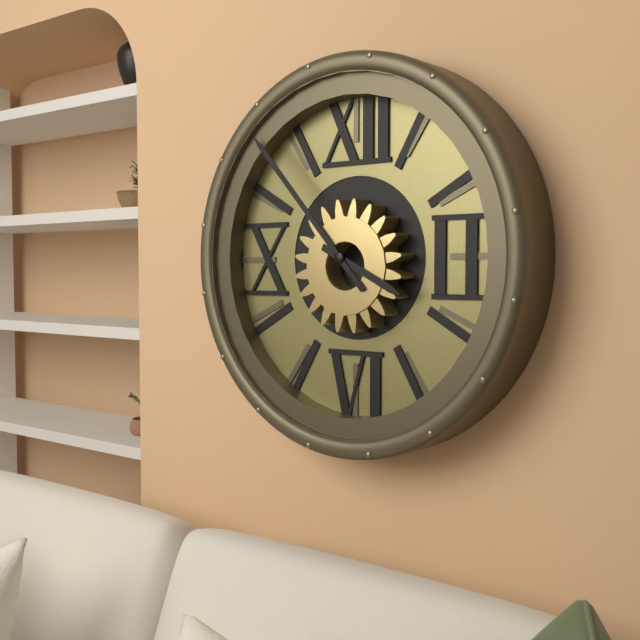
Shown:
3h53
